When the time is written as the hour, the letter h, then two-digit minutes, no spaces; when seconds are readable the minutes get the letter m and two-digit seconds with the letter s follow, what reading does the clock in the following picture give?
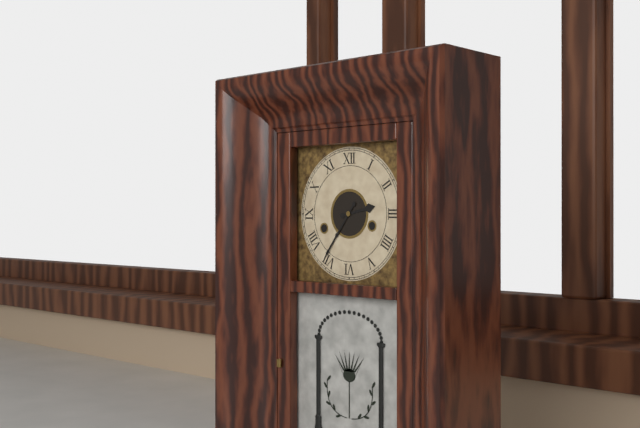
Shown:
2h36
